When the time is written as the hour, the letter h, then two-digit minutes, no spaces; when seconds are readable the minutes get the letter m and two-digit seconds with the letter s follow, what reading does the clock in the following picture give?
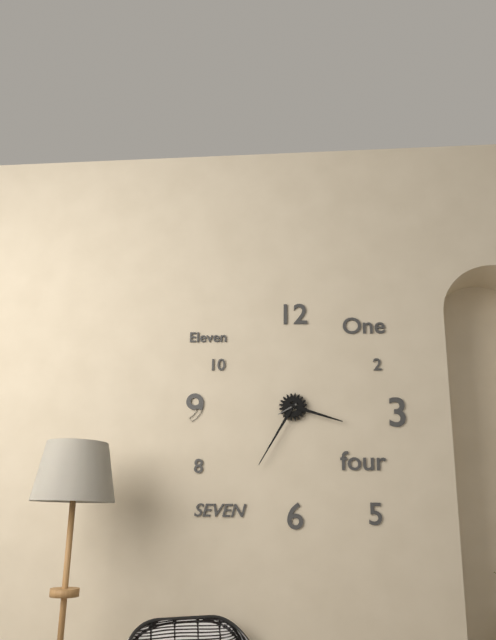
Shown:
3h35
